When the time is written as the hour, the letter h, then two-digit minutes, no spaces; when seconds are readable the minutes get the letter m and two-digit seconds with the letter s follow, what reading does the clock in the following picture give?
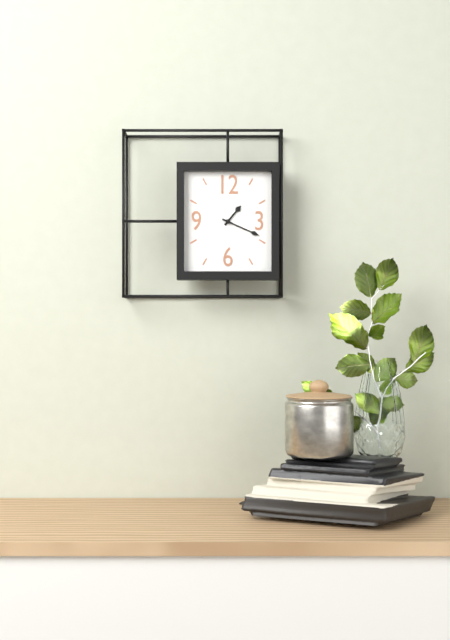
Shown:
1h19
